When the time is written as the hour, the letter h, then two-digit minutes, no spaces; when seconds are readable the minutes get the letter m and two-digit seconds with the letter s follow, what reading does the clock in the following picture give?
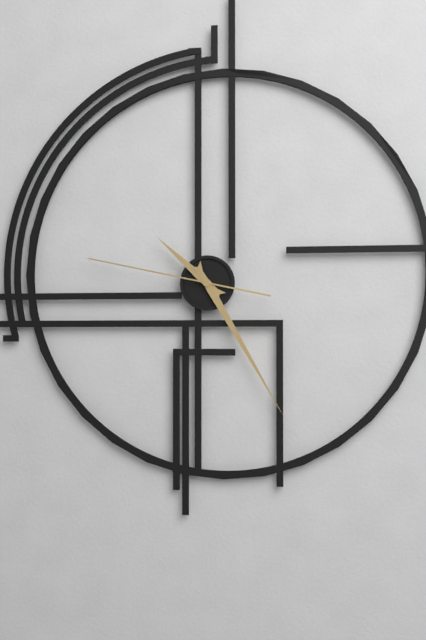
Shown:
10h25m47s
